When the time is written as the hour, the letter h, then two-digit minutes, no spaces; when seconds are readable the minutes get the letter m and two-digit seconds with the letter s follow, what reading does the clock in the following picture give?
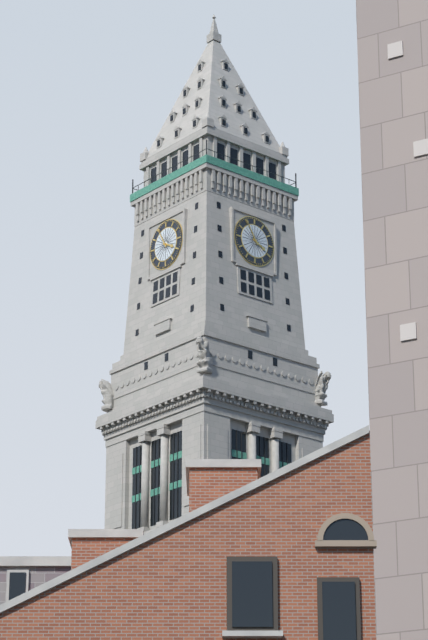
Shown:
3h55
